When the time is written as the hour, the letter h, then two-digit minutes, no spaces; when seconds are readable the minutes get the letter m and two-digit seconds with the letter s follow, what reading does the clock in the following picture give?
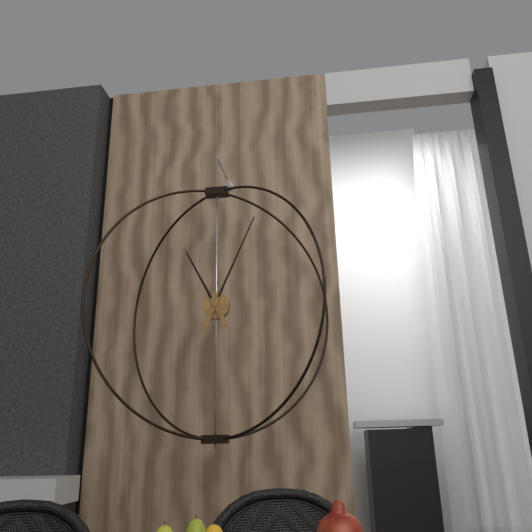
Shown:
11h04
